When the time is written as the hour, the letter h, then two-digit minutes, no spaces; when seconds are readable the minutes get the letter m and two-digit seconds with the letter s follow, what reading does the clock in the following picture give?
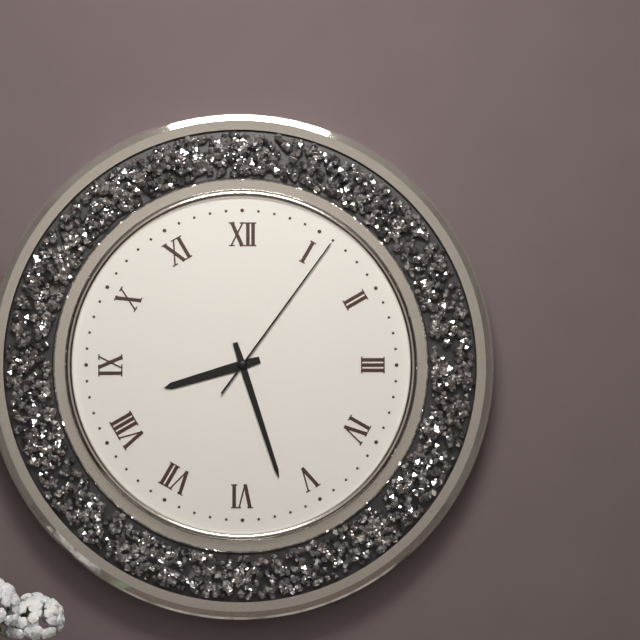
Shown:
8h27m06s
